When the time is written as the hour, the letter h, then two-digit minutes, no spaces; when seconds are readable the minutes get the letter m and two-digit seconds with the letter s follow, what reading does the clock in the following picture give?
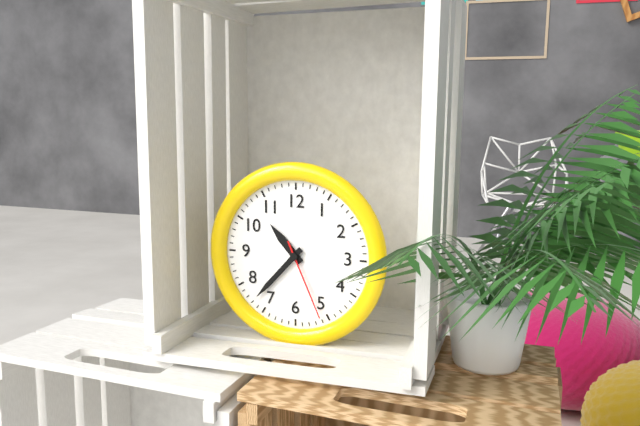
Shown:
10h37m26s
